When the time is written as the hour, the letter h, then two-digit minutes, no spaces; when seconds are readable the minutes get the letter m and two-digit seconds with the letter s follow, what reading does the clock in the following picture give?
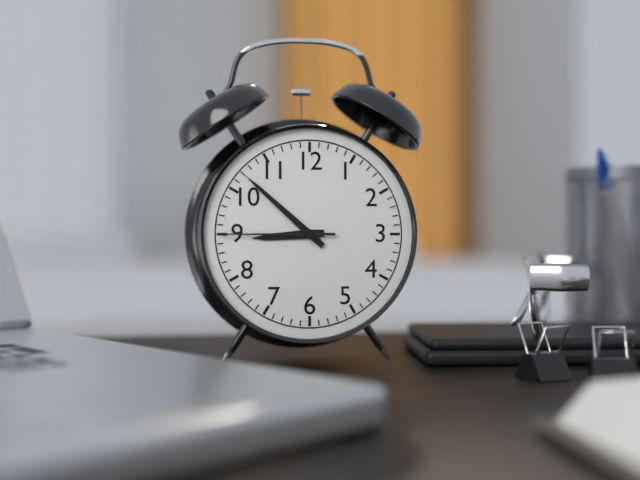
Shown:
8h52m45s
